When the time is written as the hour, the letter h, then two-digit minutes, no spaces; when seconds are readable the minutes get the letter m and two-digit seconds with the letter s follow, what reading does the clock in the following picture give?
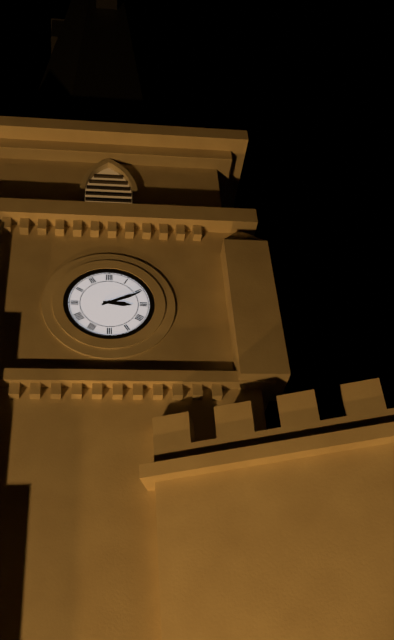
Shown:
3h11
